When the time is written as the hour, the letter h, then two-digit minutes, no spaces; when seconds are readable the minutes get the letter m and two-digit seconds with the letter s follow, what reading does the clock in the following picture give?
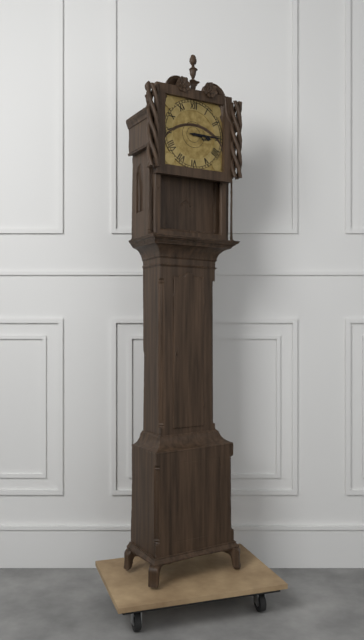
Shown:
3h15
